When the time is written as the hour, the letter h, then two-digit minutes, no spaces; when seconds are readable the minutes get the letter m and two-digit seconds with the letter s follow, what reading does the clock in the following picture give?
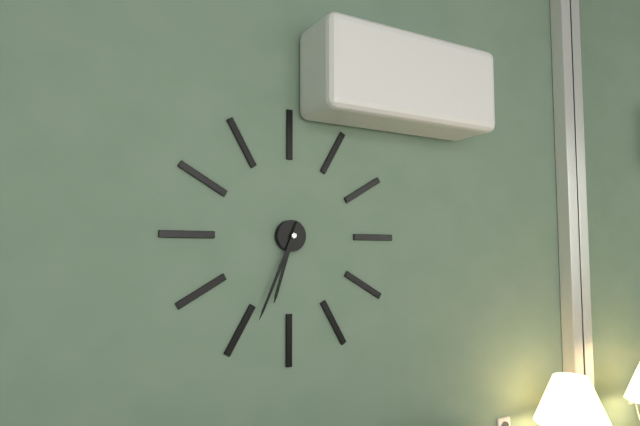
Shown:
6h34
